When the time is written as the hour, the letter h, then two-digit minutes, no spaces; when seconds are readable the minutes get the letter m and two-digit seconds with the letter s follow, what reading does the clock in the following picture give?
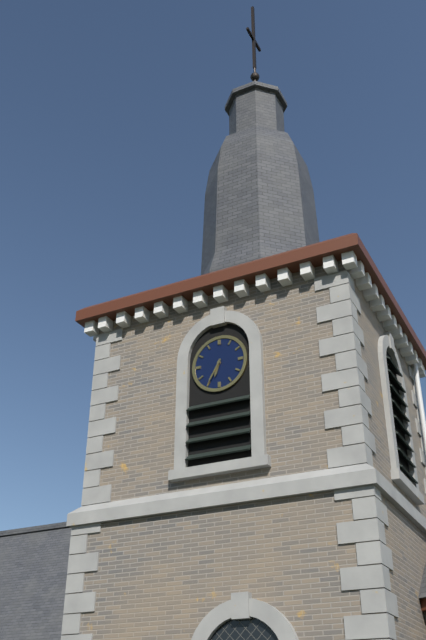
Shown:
6h35
